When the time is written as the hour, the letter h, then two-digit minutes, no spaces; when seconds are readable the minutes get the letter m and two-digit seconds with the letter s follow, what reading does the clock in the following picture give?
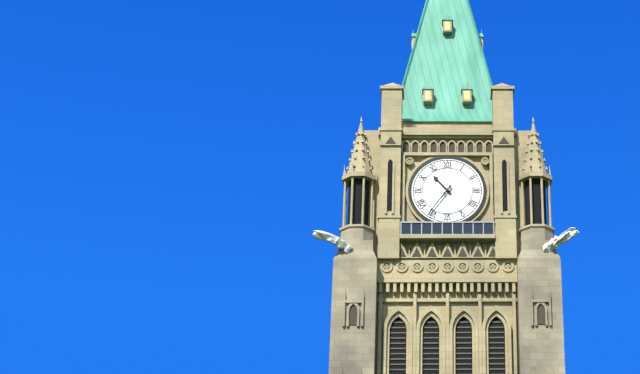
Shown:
10h36
